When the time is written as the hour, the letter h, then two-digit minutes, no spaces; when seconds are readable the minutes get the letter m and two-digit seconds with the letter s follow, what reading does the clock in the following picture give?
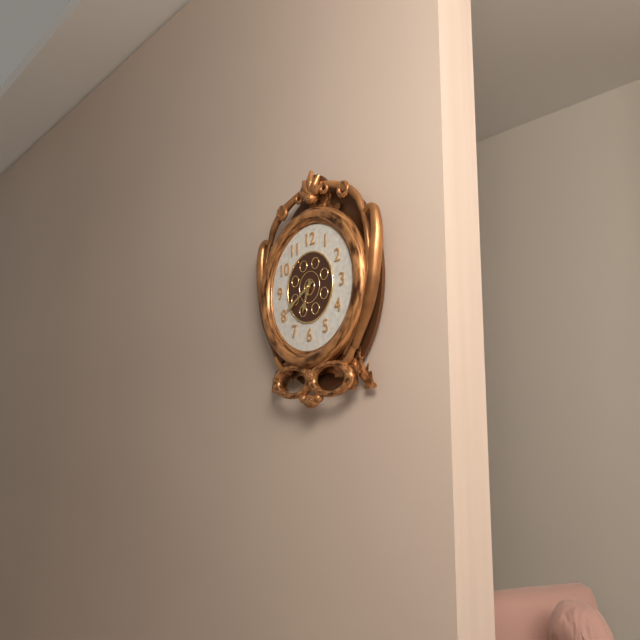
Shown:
6h40
